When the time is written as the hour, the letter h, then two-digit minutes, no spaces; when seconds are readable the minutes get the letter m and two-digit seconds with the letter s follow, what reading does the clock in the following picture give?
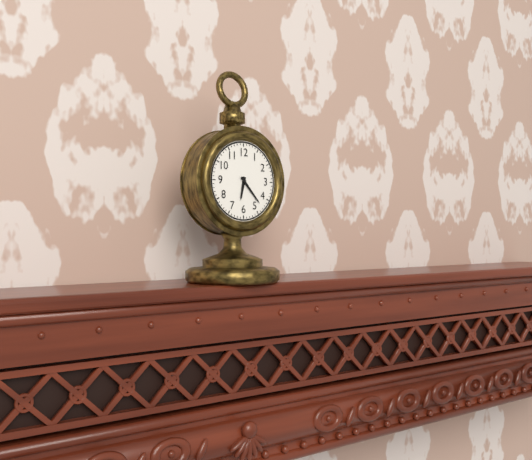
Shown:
6h23
